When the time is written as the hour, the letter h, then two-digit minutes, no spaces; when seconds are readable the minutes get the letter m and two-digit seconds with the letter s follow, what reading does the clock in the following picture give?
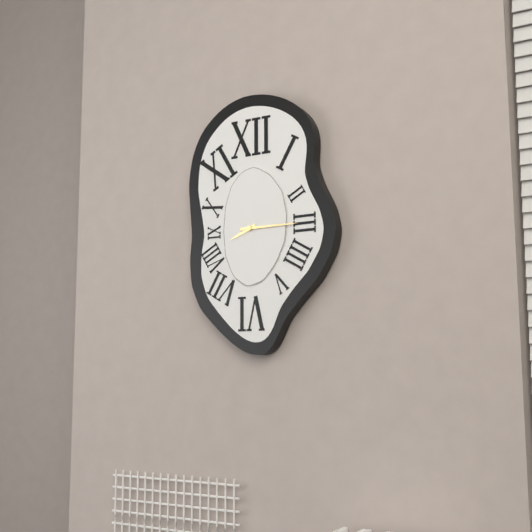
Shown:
8h15
